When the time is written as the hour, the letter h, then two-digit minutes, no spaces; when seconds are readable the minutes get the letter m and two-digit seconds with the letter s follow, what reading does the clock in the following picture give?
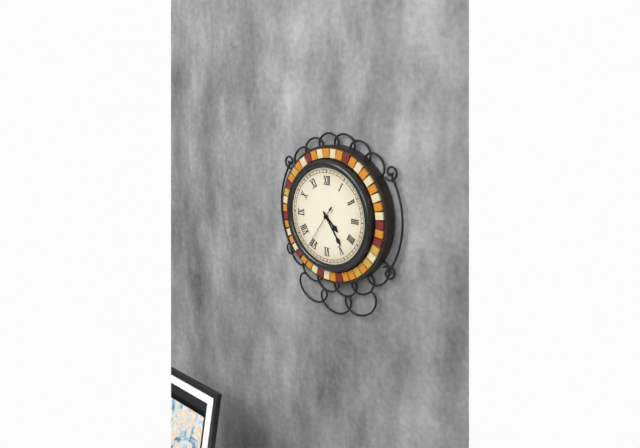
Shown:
4h24m36s
